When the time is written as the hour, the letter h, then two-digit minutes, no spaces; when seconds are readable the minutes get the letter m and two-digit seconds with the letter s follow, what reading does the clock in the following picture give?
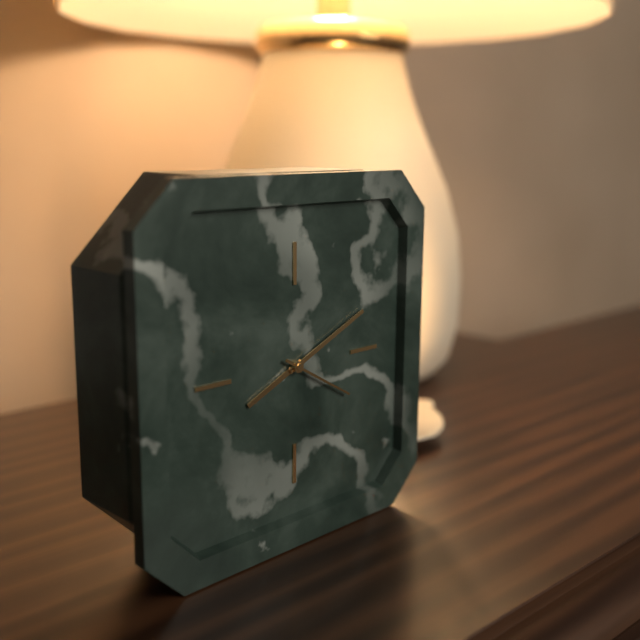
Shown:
8h11m20s
